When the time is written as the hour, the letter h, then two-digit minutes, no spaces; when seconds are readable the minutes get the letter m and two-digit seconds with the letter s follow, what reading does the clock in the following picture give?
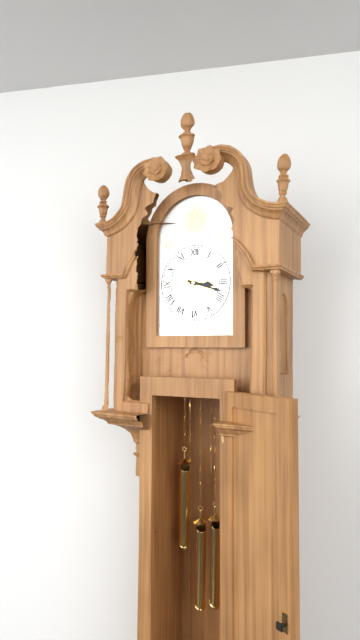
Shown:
3h18
